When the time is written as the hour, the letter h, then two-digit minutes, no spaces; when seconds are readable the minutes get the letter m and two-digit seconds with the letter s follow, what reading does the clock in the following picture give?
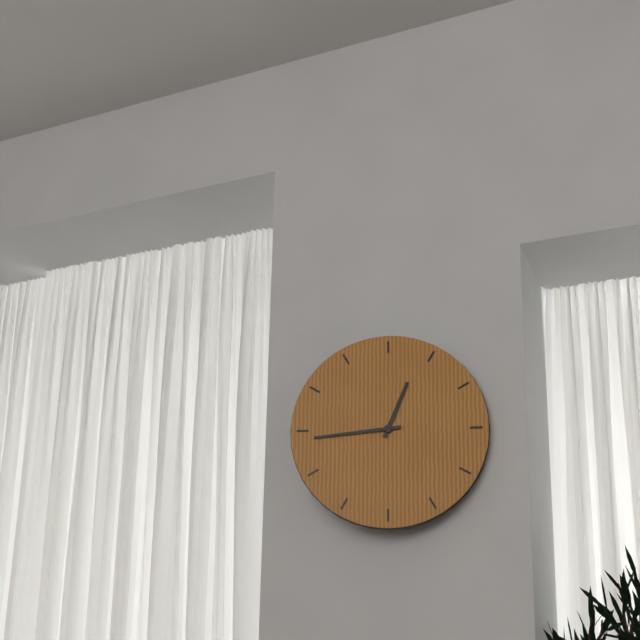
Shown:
12h44
